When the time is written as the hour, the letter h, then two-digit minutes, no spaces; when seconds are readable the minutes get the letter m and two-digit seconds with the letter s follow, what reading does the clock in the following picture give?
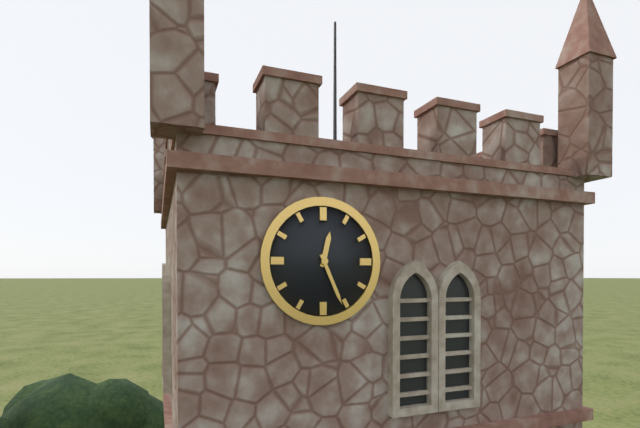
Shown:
12h26
